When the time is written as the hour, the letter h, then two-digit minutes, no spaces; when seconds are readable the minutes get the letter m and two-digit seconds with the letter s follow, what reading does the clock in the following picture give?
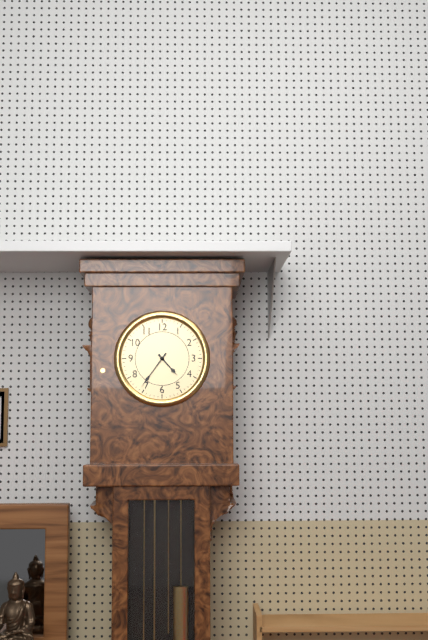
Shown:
4h36
